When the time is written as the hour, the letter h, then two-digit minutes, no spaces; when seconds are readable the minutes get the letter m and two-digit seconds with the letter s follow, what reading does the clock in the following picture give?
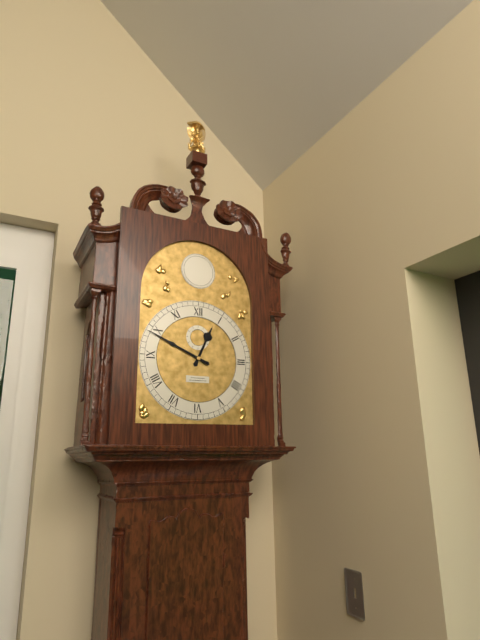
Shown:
12h49
